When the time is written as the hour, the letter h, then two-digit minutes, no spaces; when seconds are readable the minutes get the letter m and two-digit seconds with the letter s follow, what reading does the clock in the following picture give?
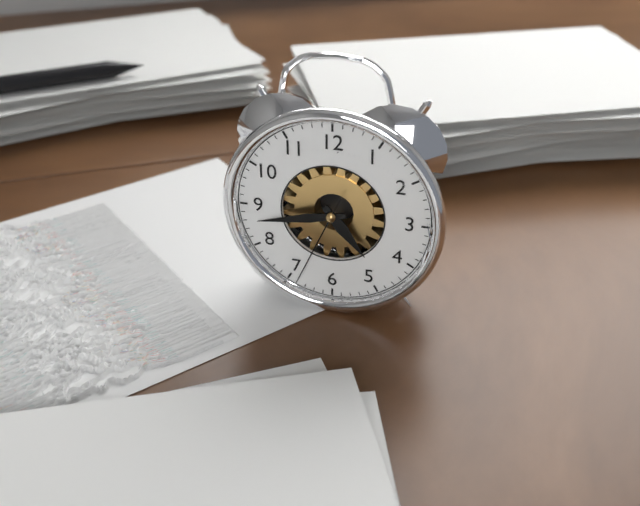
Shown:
4h43m34s
